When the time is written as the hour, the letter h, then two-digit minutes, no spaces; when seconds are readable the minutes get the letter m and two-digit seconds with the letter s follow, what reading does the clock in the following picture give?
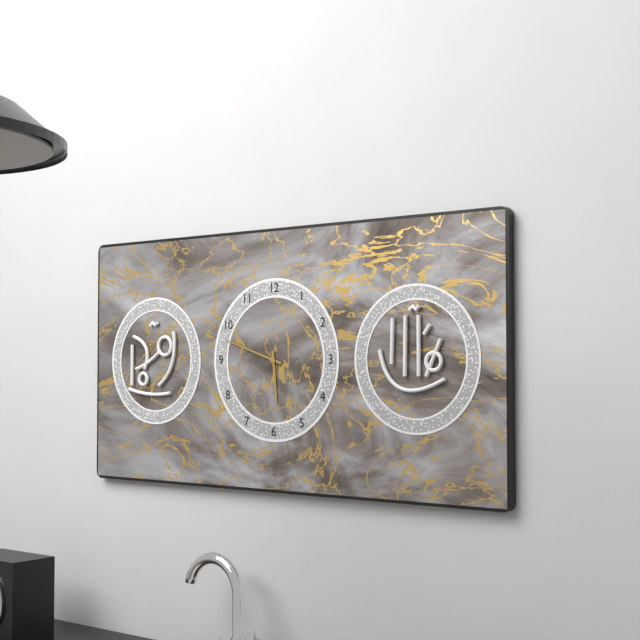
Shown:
5h48
